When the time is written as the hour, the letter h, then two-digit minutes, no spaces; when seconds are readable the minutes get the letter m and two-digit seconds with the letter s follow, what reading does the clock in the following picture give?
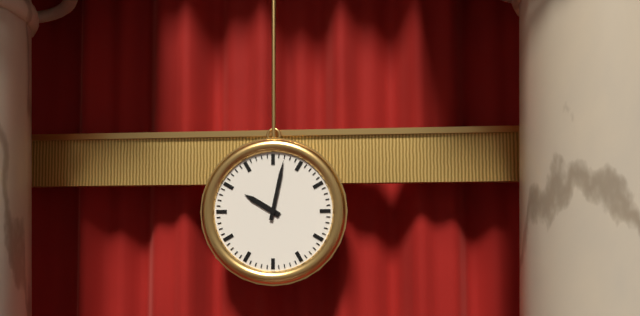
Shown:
10h02
